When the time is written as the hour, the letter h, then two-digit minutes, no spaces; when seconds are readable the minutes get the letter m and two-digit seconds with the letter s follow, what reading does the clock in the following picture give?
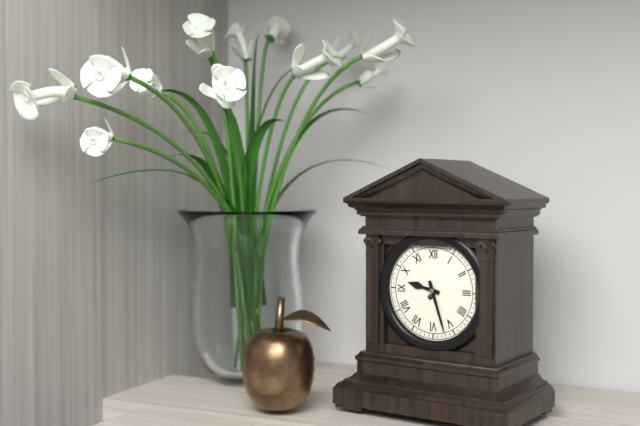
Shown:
9h27
